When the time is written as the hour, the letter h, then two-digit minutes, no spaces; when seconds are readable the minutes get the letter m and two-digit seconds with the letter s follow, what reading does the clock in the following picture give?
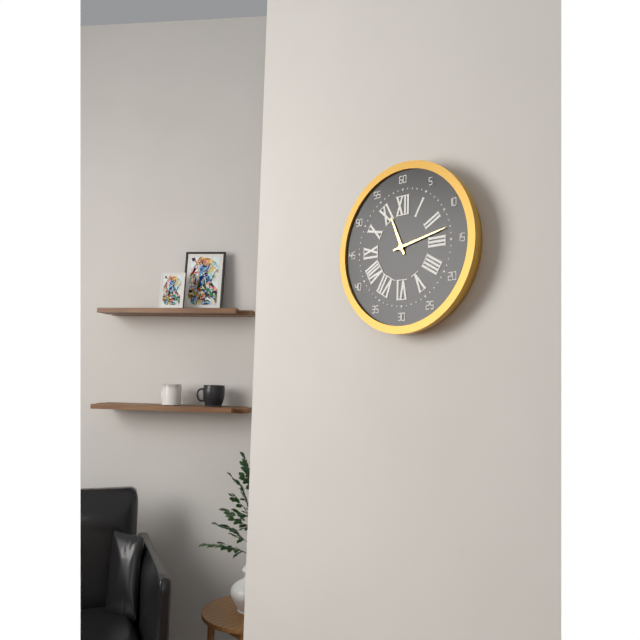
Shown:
11h13
